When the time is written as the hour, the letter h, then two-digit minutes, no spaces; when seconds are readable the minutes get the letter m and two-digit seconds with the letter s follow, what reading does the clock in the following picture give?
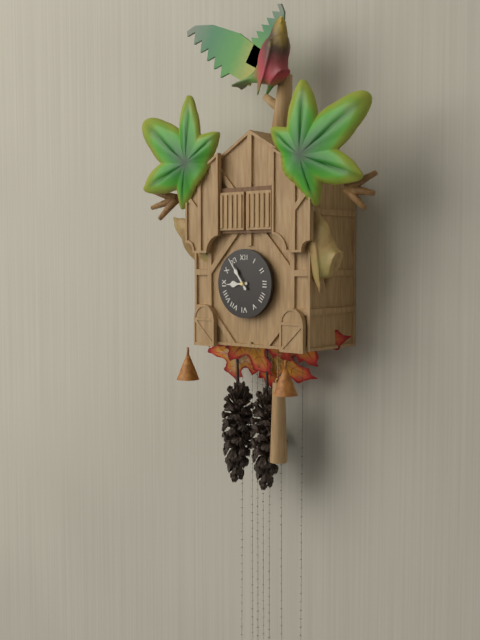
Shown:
8h54
